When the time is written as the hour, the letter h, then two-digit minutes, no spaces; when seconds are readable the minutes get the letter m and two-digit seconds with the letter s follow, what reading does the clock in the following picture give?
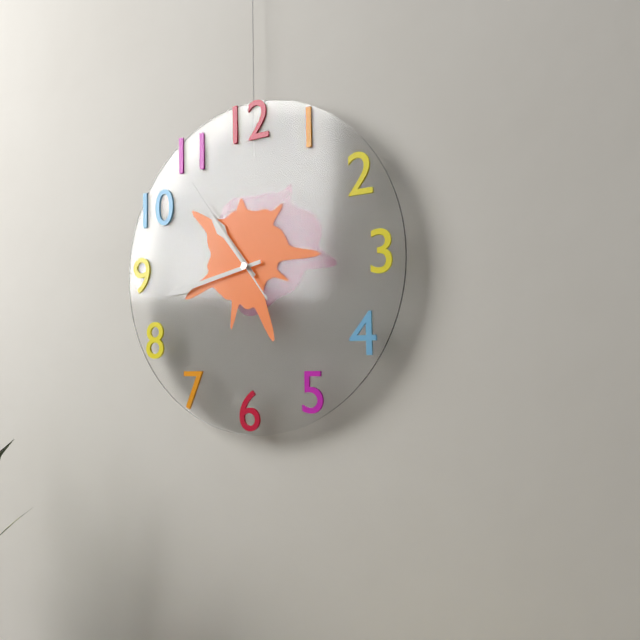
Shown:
10h43m54s
